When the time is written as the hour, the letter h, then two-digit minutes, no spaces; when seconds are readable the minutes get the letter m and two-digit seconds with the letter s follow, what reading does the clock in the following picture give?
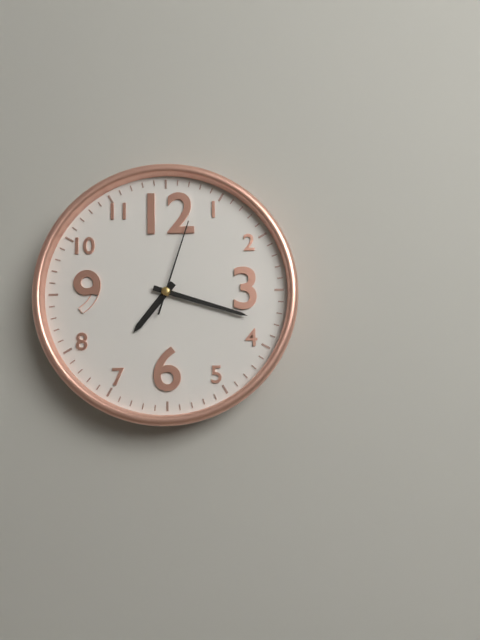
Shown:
7h18m03s
